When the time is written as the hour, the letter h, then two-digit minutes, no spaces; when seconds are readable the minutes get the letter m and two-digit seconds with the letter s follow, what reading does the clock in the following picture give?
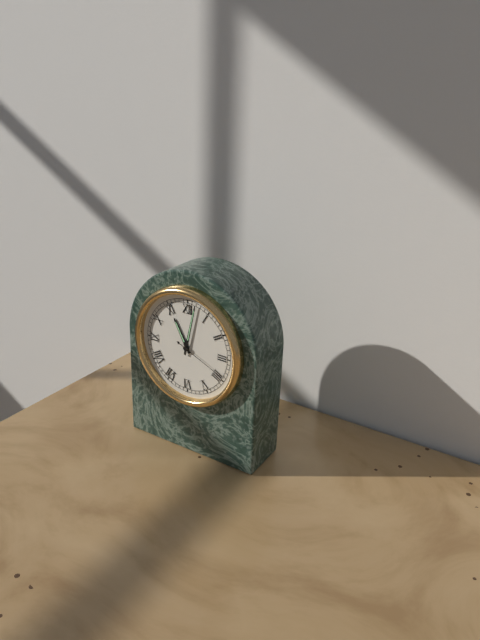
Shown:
11h02m19s
